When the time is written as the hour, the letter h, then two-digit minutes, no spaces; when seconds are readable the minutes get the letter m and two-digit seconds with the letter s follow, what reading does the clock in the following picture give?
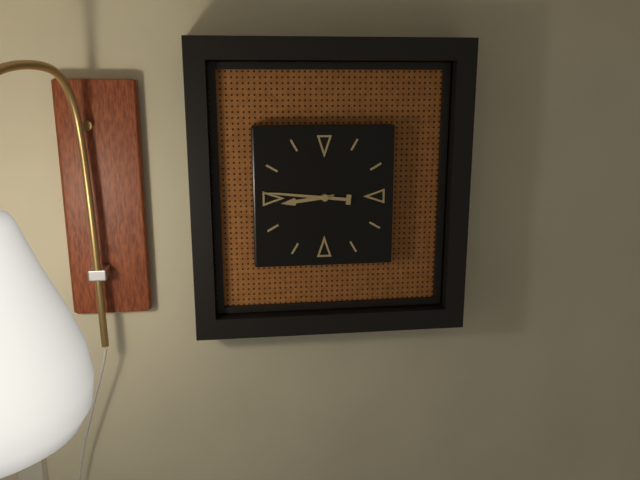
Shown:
8h46
